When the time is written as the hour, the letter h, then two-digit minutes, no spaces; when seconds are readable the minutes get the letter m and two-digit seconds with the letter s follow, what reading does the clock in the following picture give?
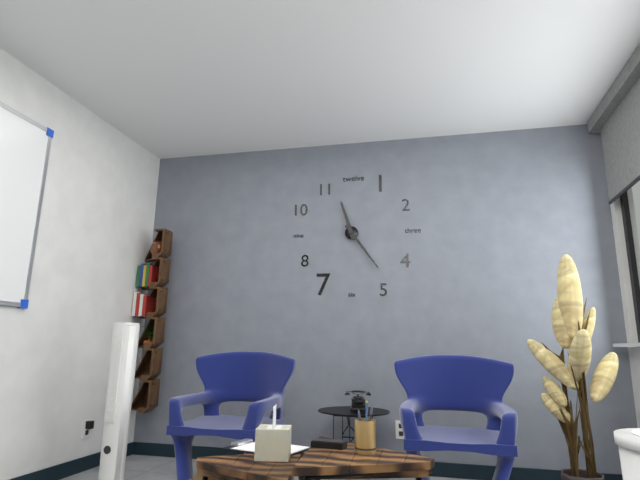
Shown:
11h24
